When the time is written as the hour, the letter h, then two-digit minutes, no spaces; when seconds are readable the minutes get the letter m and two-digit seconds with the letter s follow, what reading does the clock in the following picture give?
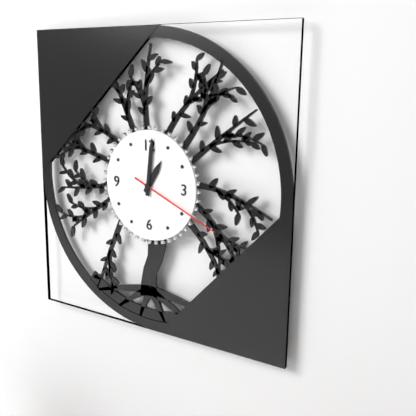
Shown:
1h01m19s
